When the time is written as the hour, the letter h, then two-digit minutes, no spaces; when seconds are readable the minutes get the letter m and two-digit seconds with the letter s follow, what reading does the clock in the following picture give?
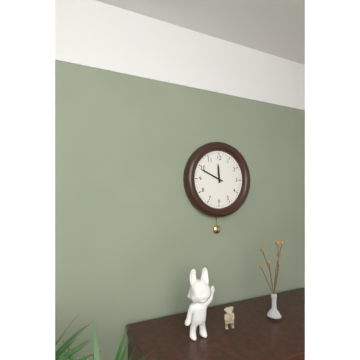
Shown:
11h49
